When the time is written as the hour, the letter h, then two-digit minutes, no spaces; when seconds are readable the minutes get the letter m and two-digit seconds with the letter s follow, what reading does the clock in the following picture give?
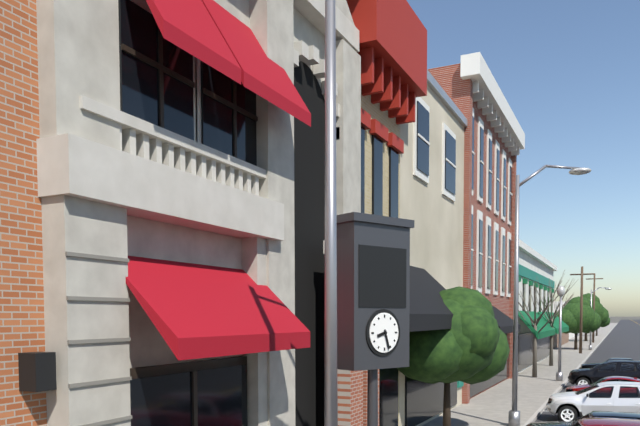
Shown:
8h27
